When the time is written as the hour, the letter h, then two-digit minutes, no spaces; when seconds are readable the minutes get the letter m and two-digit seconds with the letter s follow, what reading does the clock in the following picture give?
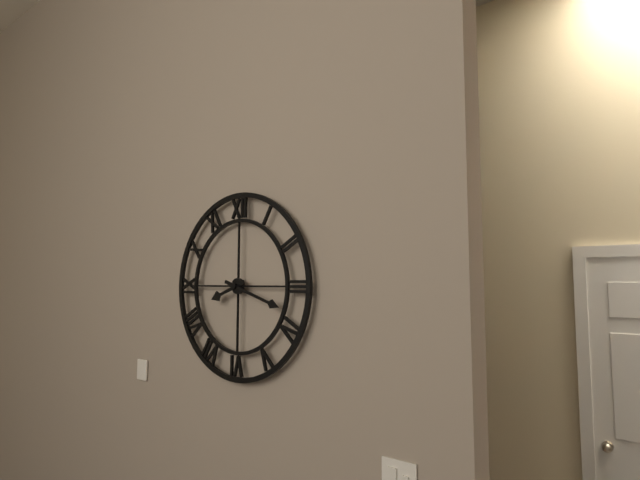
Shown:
8h18
